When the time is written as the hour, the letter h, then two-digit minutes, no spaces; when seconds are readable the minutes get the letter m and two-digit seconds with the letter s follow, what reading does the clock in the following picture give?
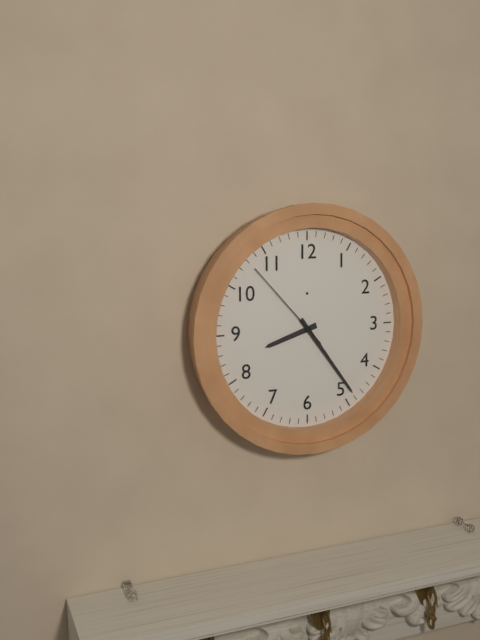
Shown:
8h24m53s
